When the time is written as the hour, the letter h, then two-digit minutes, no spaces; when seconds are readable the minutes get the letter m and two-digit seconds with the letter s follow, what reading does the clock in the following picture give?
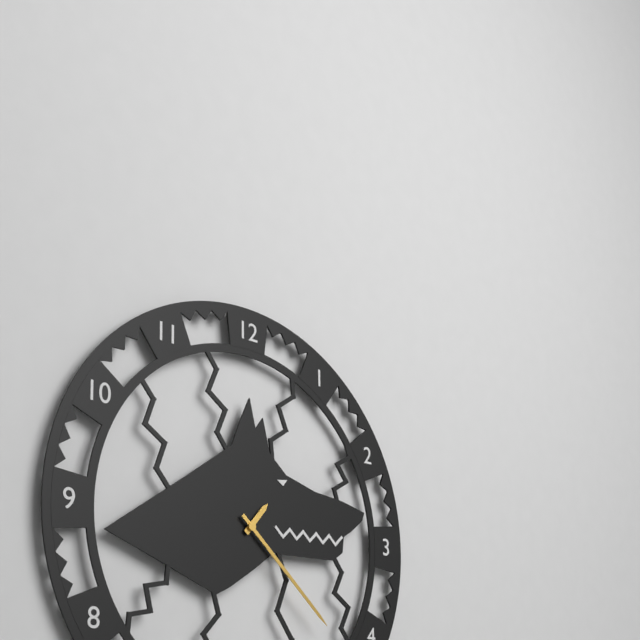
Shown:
1h22
